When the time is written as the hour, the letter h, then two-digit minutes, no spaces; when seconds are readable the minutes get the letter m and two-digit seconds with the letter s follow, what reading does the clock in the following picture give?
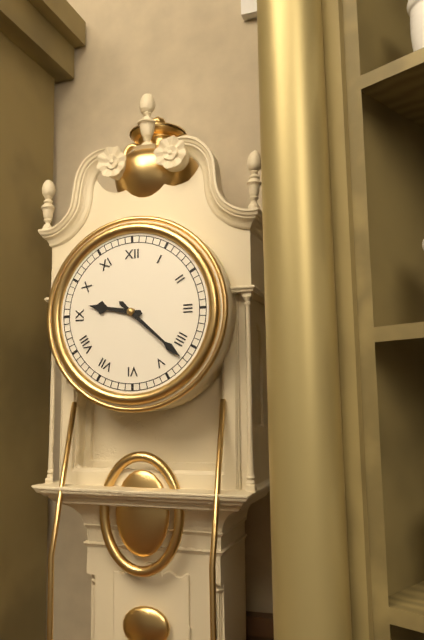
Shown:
9h22
